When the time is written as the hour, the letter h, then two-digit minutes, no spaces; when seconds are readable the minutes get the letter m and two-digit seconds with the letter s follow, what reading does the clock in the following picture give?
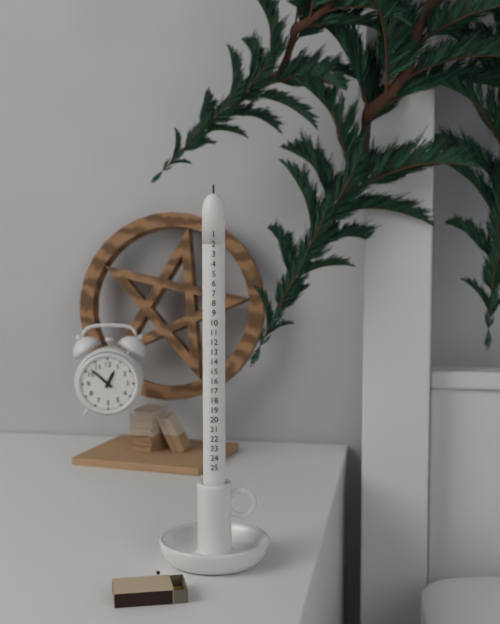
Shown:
12h52
